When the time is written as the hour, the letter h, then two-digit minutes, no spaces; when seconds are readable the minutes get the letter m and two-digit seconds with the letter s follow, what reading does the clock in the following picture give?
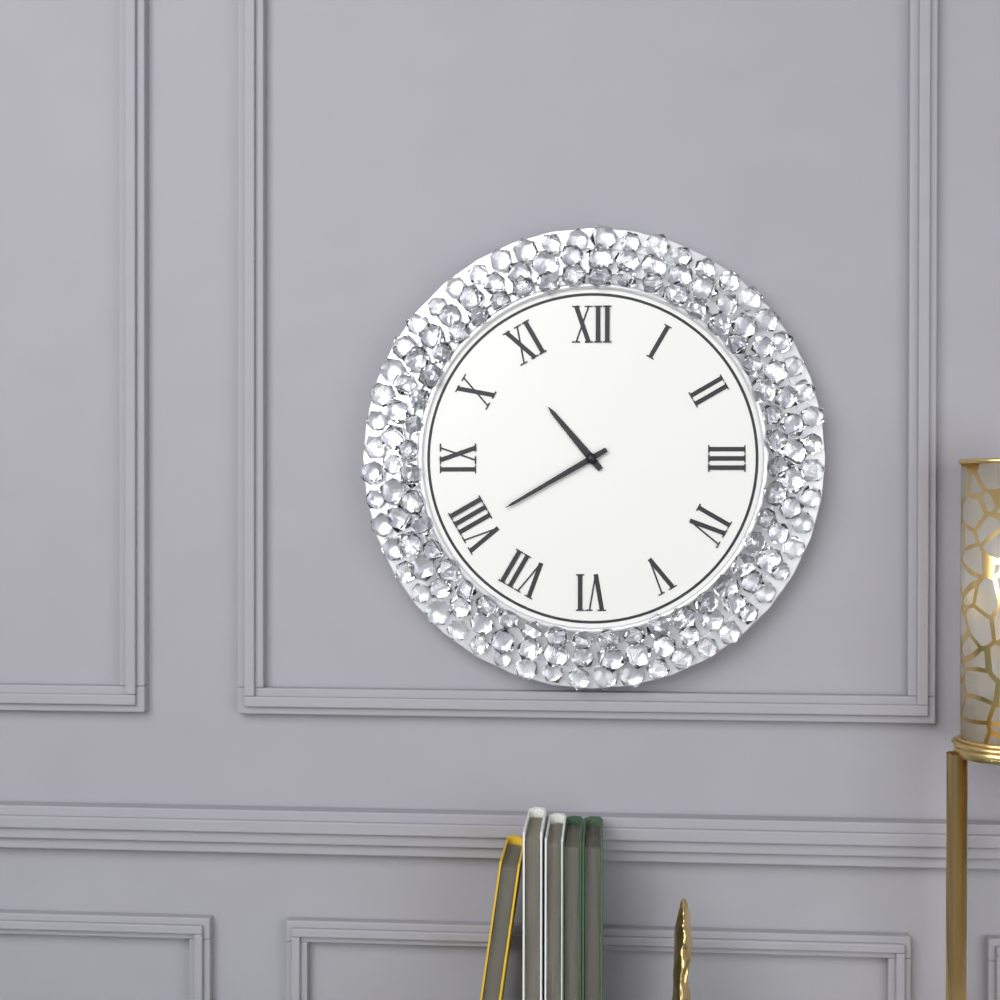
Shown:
10h40
